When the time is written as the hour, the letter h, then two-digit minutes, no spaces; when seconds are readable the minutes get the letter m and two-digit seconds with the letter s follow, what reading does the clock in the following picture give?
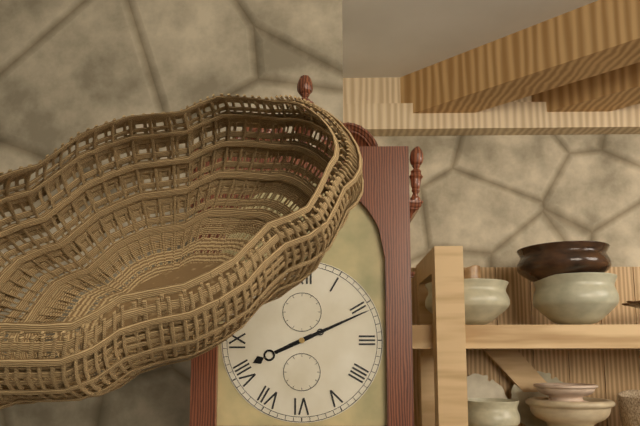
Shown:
8h11
